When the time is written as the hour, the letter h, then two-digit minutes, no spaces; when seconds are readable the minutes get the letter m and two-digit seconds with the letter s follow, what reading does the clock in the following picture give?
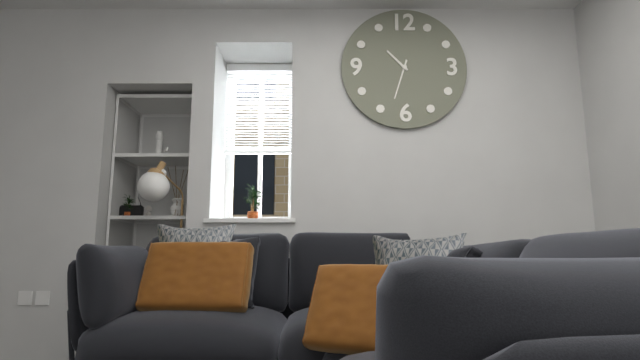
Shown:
10h33
